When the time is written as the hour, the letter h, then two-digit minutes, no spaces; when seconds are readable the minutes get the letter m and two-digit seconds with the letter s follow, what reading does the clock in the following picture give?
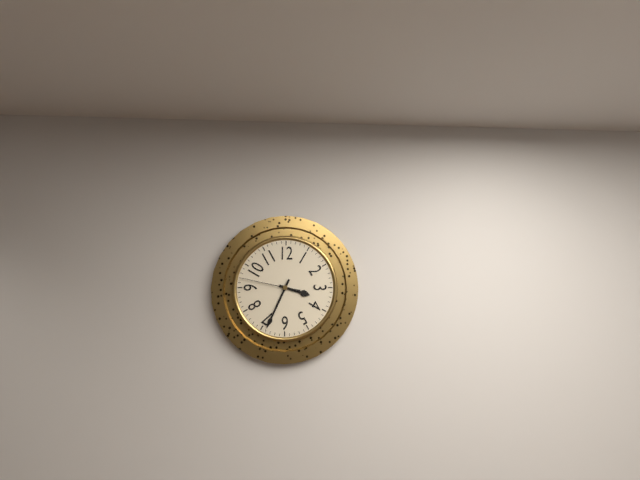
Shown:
3h34m47s
